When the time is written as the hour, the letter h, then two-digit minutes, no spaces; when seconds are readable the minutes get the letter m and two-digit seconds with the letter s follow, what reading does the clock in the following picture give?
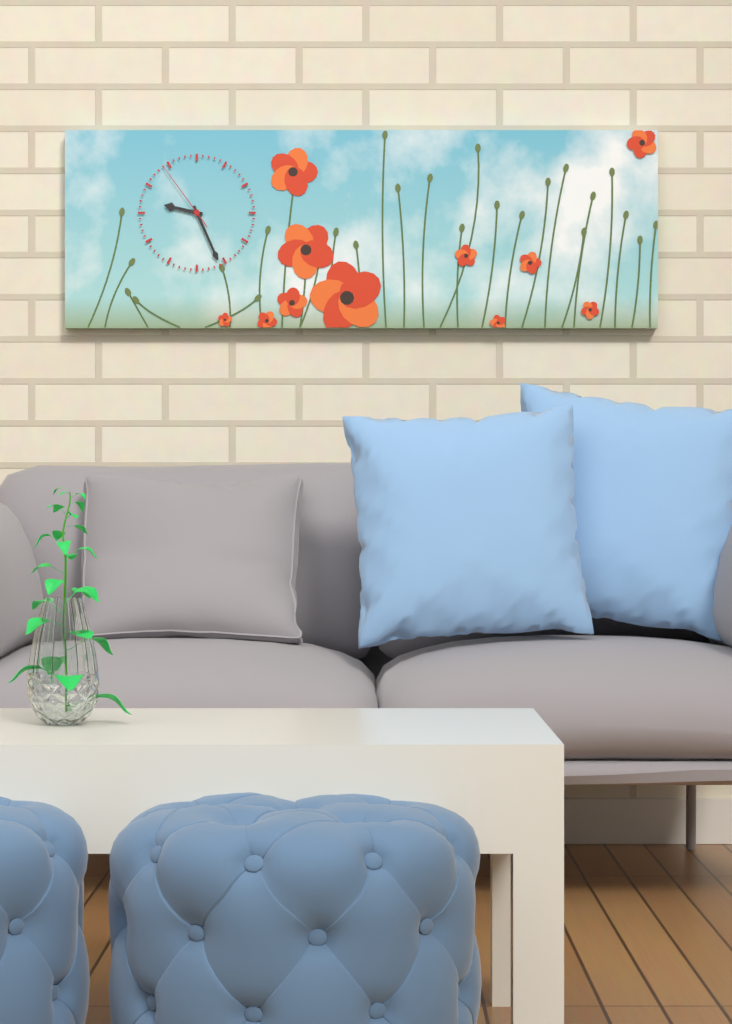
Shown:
9h26m54s
